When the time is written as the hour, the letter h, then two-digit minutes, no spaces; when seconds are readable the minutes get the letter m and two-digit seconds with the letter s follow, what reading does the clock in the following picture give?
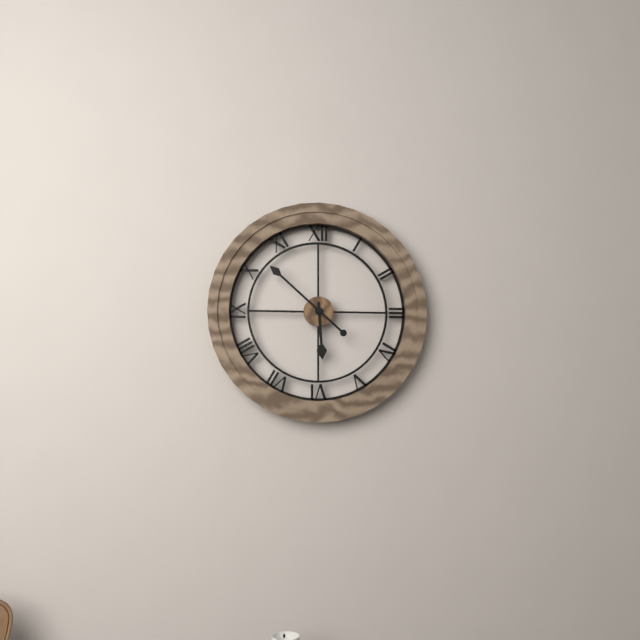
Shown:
5h52
